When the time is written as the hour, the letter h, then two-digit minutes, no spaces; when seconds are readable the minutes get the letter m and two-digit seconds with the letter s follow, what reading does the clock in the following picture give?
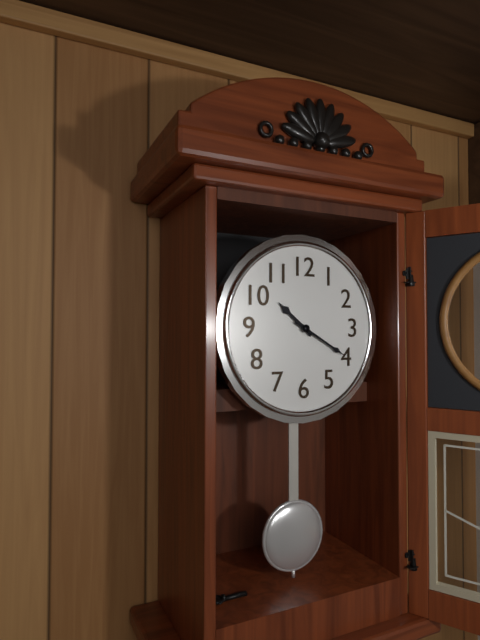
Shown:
10h20
